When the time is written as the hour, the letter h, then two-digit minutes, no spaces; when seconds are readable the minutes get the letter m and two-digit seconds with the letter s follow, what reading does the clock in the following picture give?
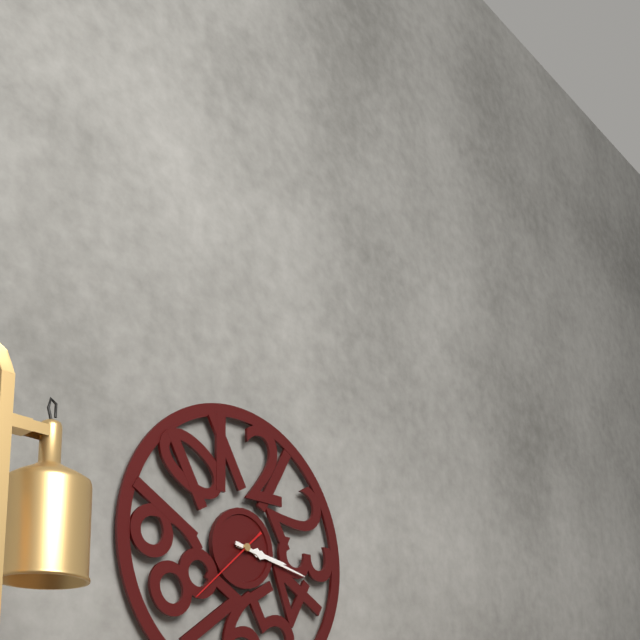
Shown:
3h17m38s
